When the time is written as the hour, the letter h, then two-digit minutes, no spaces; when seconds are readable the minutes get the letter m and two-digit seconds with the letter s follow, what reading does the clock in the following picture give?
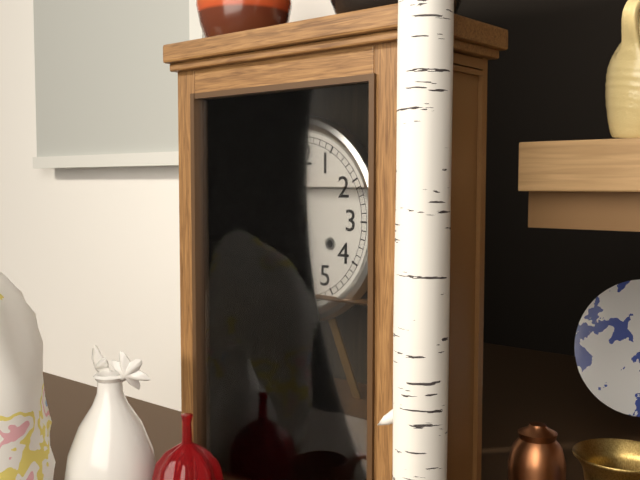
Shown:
10h29
